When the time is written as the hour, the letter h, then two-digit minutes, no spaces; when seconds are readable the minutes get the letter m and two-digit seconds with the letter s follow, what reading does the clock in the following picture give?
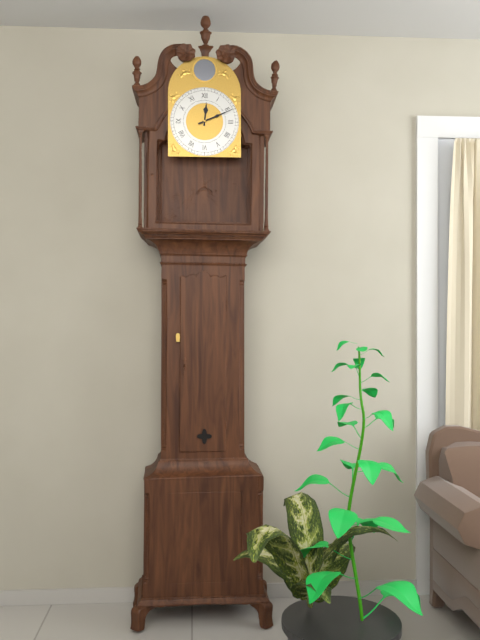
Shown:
12h11
